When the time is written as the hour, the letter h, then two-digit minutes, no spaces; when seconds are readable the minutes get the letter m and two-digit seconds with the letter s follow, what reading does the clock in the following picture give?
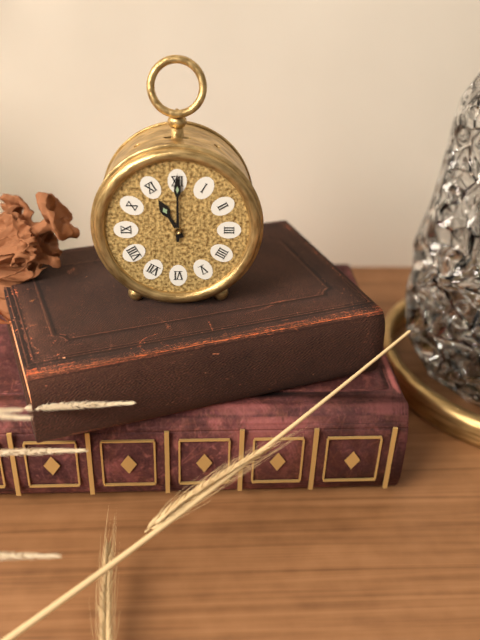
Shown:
11h00
